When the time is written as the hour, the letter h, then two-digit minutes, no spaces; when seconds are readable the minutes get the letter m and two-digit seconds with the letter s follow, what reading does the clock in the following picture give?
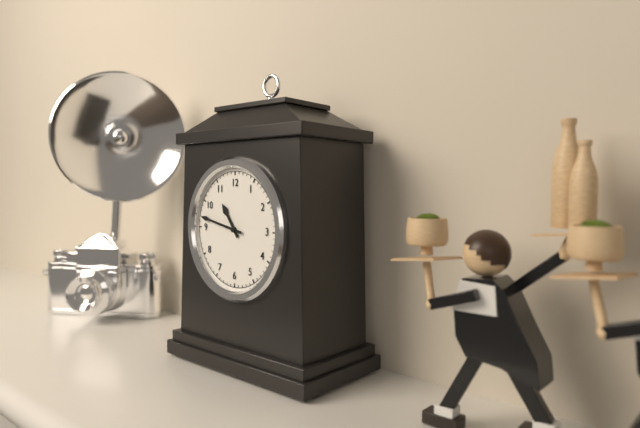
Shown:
10h47
